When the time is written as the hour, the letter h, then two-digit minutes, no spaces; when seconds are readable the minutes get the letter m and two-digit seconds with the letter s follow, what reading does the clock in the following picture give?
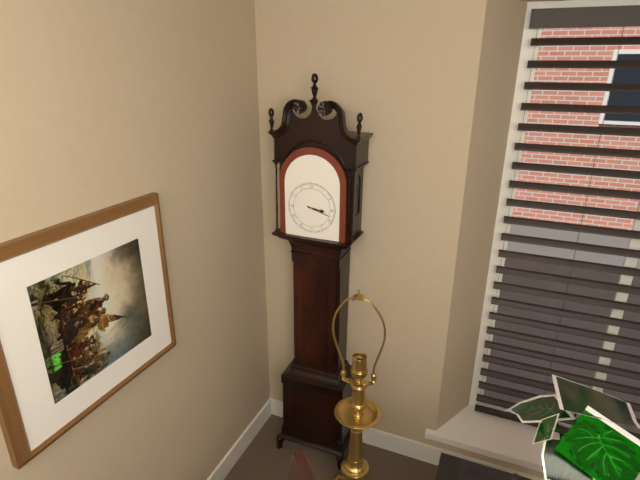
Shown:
3h18
